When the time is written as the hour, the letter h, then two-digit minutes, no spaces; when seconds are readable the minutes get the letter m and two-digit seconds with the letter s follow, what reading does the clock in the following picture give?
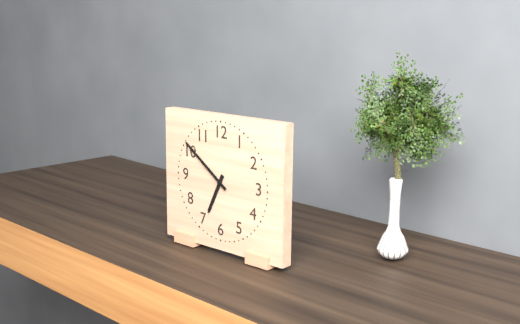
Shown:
6h51
